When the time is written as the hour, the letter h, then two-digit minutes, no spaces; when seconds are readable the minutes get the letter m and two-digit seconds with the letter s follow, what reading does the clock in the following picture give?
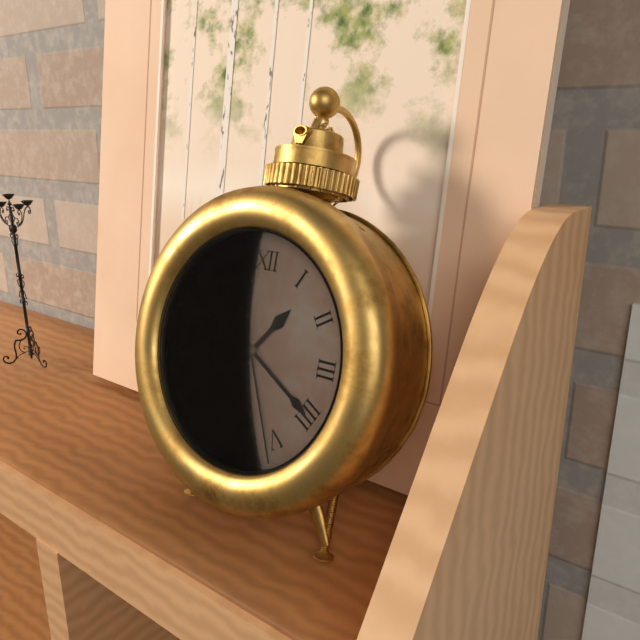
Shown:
1h20m26s
